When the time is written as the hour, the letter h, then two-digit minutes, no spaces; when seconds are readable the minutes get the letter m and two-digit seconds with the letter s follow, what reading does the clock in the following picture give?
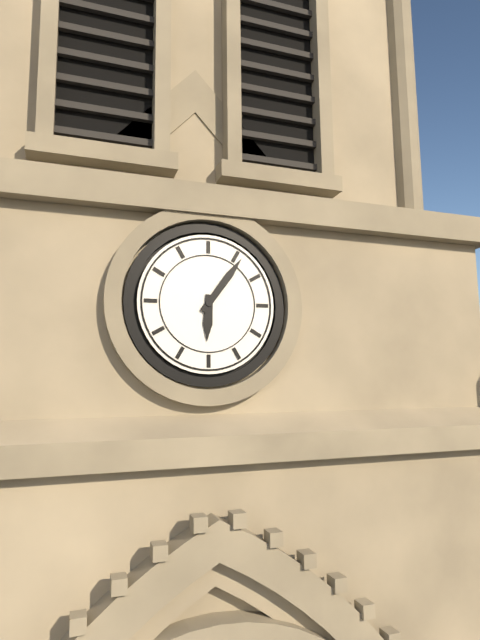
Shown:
6h06
